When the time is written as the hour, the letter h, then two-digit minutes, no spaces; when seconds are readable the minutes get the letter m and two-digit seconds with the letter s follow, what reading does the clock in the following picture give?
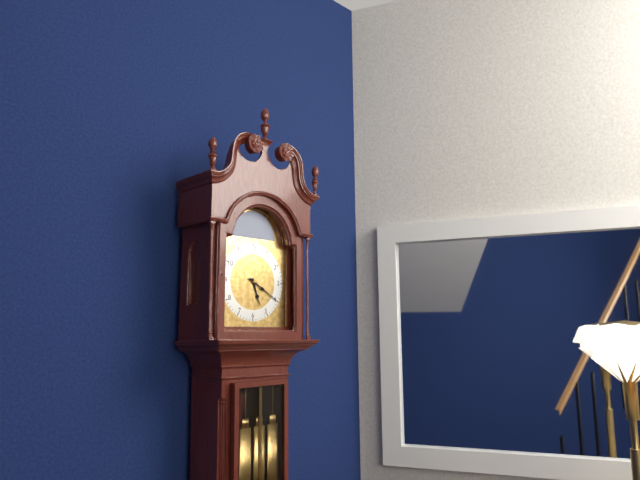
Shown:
5h20
